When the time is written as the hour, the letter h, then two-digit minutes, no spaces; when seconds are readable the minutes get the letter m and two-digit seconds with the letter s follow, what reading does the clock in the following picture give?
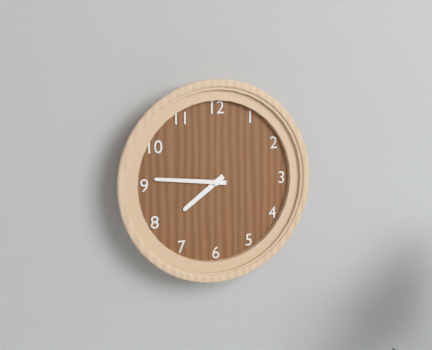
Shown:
7h46
